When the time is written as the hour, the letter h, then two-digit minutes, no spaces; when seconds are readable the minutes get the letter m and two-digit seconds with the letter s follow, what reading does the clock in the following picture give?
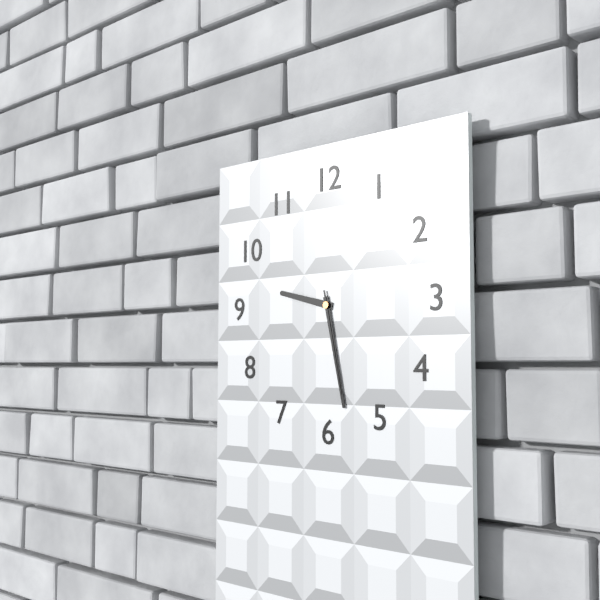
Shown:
9h28m28s
